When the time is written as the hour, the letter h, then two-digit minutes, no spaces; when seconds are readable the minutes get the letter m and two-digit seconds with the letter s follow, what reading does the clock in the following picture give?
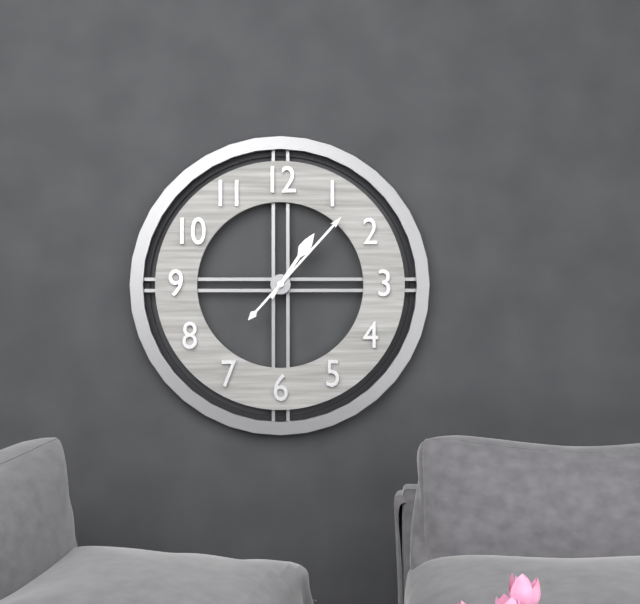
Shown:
1h07
